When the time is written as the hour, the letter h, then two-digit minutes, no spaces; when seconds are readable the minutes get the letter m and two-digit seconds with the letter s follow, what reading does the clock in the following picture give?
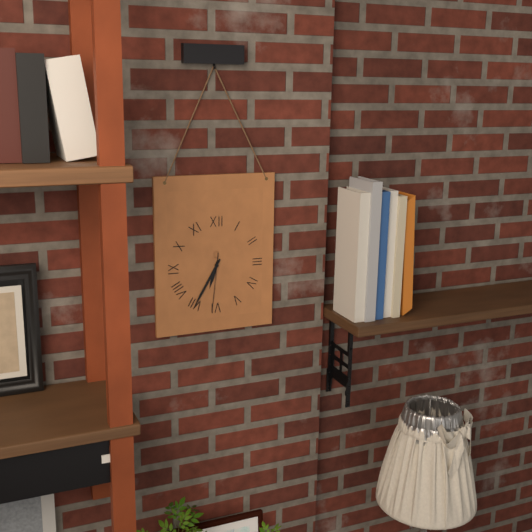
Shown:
6h35m31s
